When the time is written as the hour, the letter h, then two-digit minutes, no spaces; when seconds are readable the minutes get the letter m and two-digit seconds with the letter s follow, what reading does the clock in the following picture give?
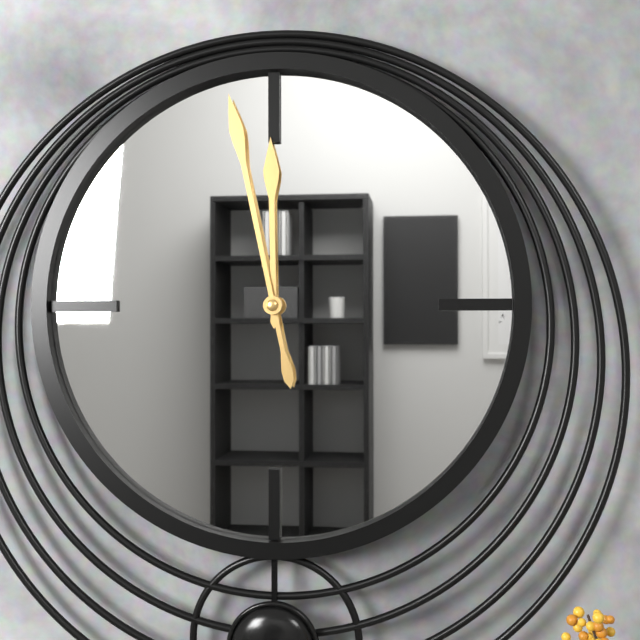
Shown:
11h58
